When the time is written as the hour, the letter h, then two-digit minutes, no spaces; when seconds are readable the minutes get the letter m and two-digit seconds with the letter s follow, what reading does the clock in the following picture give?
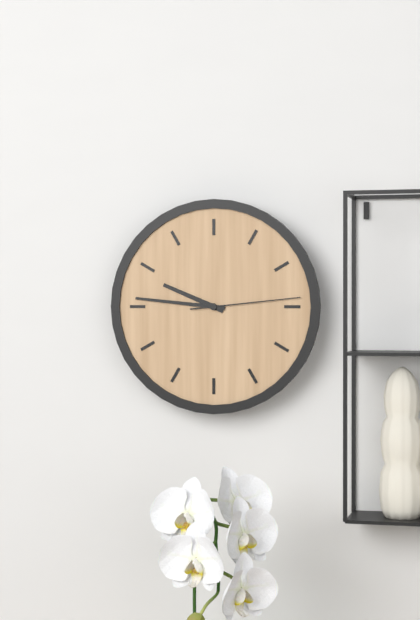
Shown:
9h46m14s
